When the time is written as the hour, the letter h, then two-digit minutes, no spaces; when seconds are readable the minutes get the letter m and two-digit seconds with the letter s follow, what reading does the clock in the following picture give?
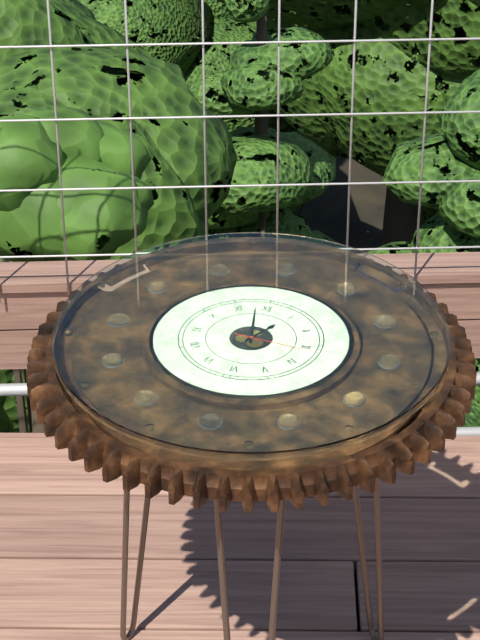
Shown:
12h58m16s
